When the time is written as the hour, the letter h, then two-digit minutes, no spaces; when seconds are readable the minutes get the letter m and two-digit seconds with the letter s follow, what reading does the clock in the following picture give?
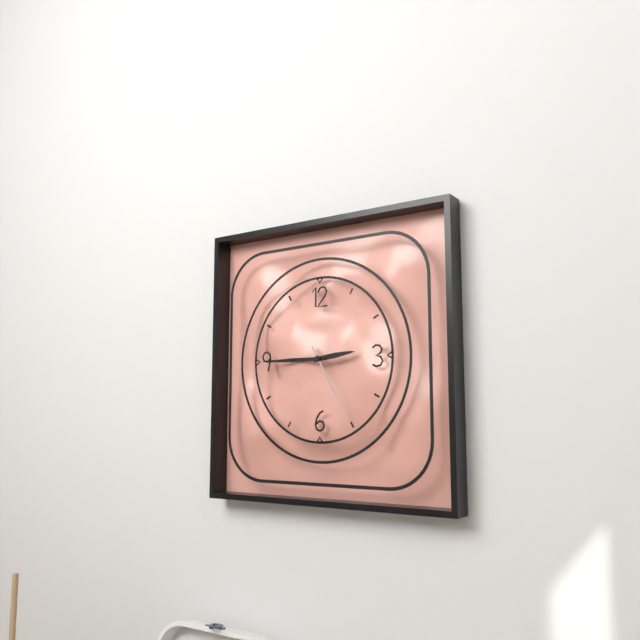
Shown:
2h45m25s
